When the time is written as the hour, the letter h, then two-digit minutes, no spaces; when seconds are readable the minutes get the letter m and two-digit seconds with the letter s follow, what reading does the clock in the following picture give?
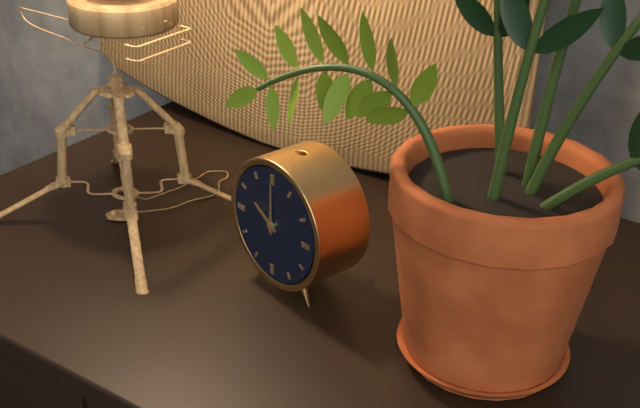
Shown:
10h00
